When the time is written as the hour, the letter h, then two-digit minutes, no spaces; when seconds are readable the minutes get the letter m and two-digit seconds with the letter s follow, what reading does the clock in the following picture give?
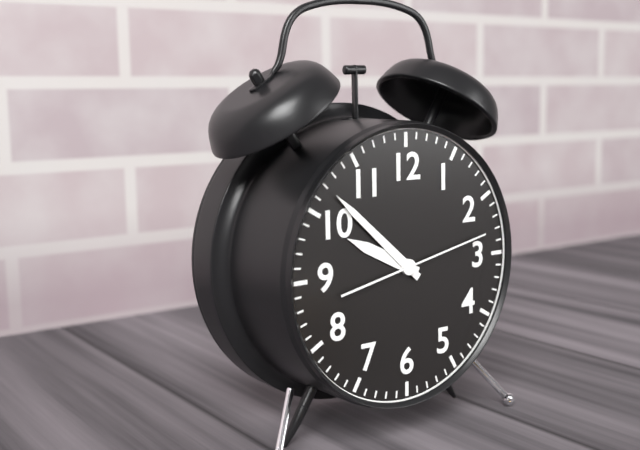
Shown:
9h52m13s
